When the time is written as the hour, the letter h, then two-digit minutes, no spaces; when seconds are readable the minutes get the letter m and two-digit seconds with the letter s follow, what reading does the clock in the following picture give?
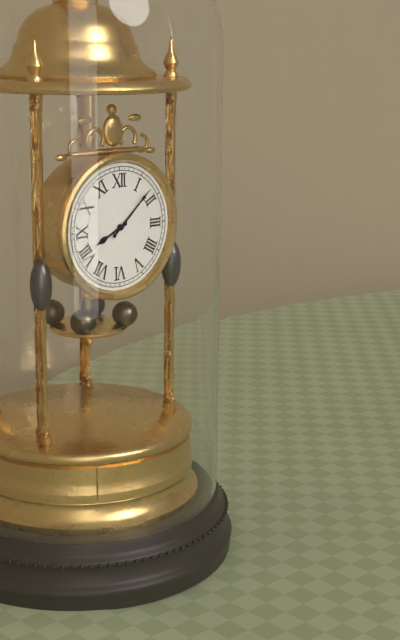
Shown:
8h08
